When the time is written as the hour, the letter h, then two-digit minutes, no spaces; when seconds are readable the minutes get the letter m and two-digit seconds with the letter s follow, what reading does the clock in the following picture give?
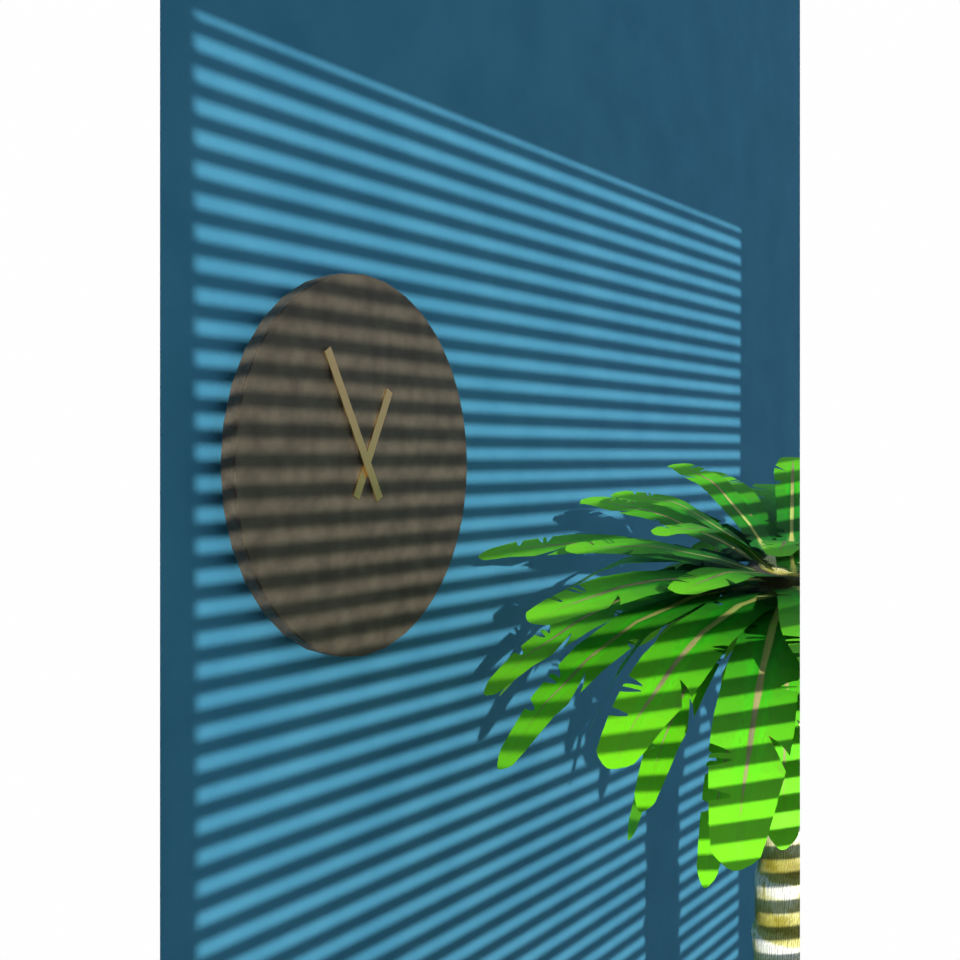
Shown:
12h55
